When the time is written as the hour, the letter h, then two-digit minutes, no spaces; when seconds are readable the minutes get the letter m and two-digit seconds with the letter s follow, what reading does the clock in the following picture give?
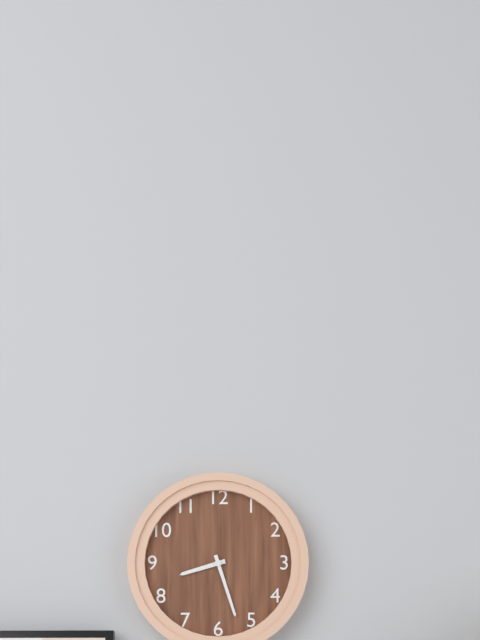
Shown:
8h27
